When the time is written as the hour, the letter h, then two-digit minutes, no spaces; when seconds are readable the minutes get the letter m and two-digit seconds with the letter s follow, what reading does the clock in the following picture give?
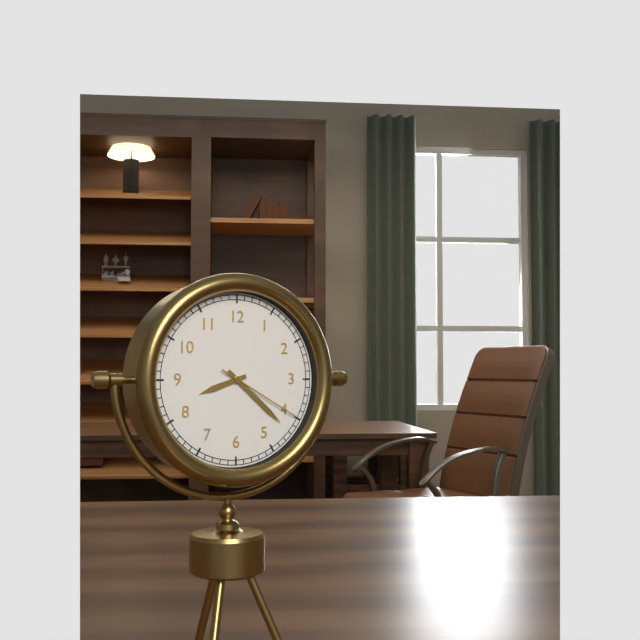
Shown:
8h22m20s
